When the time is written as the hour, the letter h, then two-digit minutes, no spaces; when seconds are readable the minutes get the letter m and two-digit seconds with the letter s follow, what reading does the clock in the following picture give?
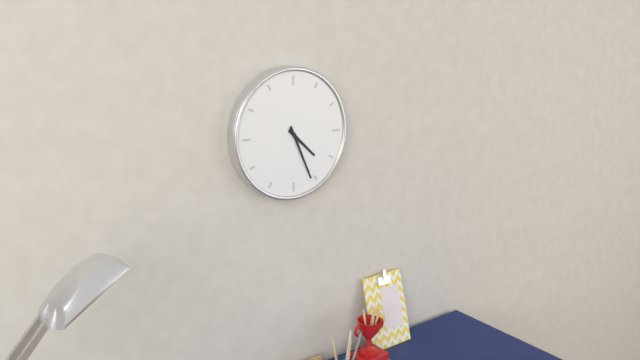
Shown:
4h26
